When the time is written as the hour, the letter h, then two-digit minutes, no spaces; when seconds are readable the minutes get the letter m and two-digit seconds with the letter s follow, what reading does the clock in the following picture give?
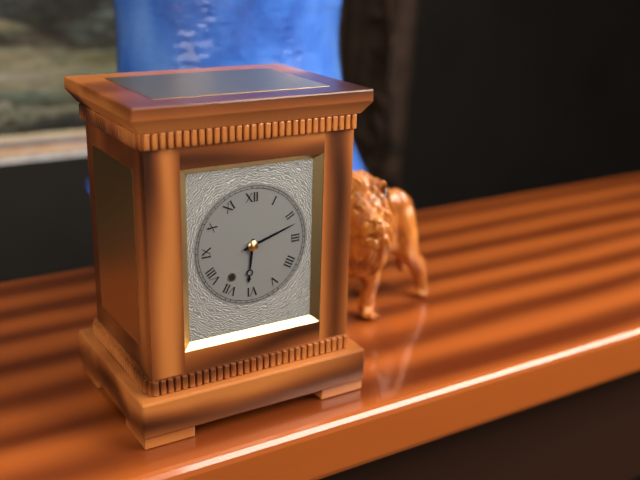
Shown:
6h12
